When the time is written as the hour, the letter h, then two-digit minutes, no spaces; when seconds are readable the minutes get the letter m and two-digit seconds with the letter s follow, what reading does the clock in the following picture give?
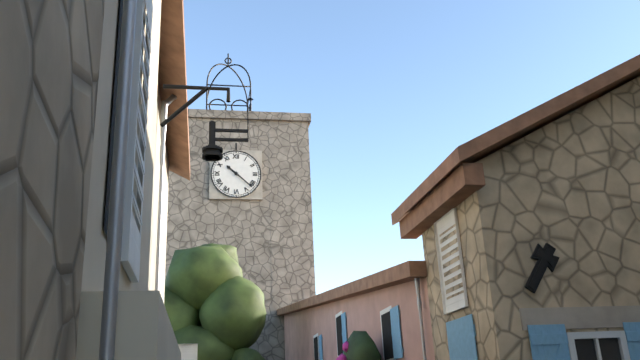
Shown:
10h22
